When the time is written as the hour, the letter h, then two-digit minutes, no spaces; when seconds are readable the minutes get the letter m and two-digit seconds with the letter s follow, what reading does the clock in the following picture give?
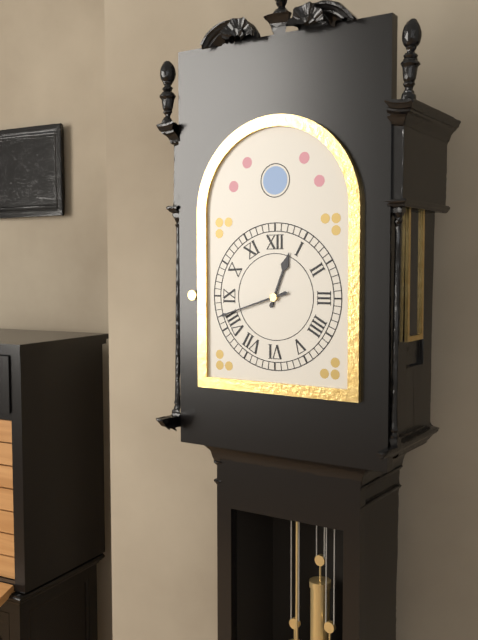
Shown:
12h42
